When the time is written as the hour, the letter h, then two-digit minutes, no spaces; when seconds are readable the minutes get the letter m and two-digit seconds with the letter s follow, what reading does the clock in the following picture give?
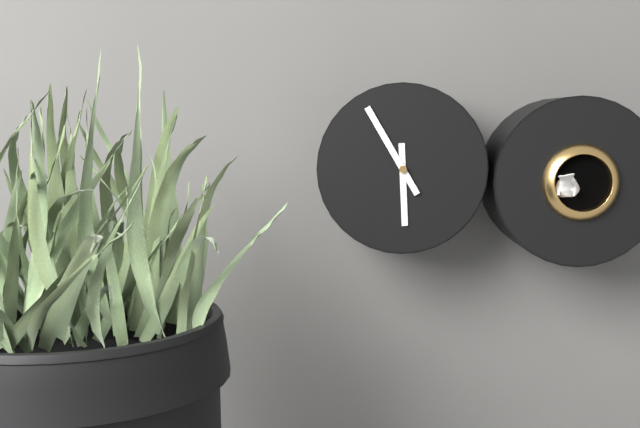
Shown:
5h55
